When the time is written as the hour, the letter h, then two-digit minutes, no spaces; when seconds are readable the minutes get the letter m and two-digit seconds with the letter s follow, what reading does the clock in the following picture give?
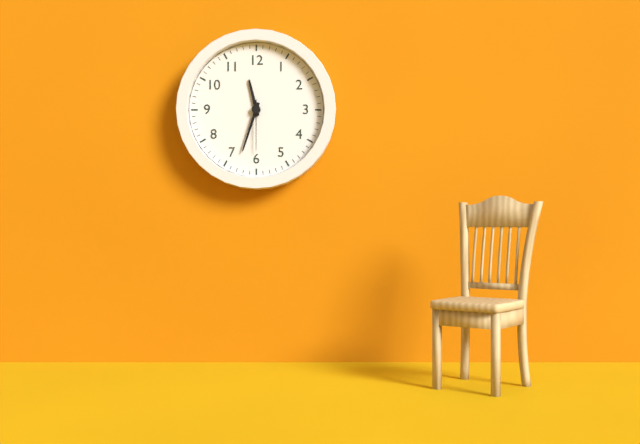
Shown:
11h33m30s
